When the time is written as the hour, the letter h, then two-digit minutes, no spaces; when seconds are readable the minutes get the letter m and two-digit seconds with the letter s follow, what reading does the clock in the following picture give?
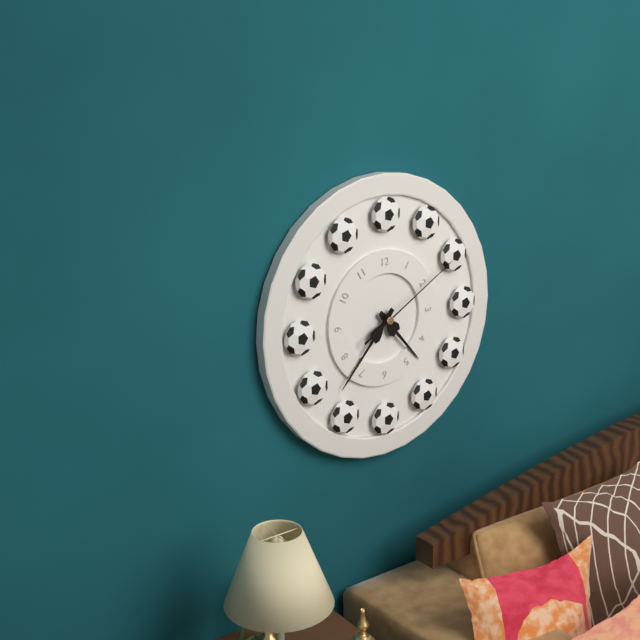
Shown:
4h37m10s
